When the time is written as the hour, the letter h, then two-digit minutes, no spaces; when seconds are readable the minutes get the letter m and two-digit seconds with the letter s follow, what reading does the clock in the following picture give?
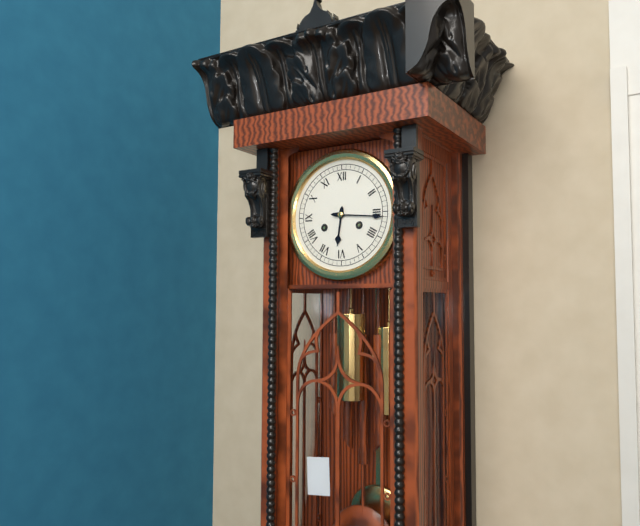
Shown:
6h16
